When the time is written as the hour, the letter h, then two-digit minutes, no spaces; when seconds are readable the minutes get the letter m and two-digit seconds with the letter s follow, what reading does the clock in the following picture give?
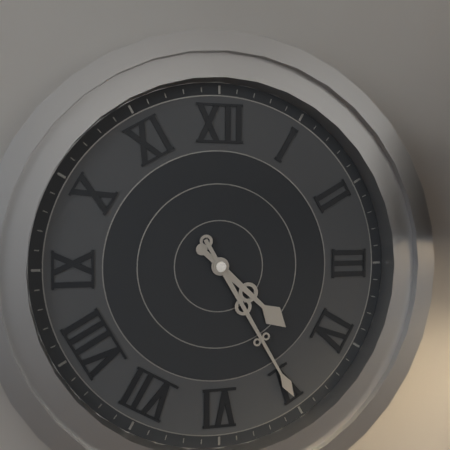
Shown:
4h25
